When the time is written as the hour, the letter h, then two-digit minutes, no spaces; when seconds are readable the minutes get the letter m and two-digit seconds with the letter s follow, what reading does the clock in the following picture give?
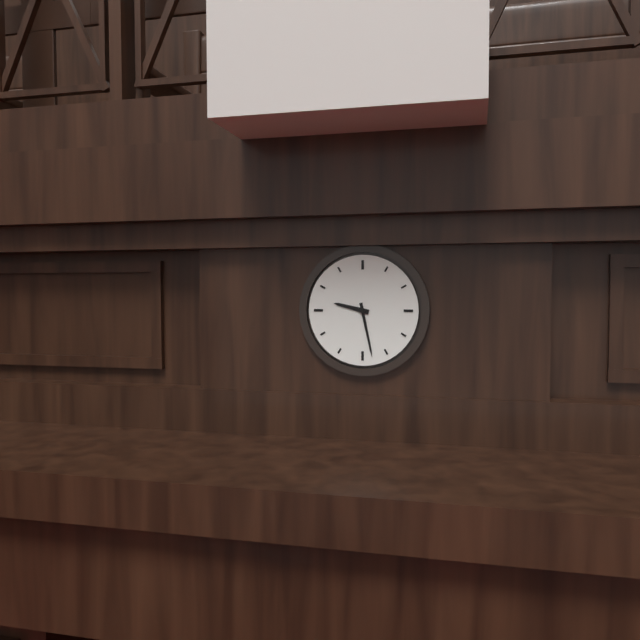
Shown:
9h28
